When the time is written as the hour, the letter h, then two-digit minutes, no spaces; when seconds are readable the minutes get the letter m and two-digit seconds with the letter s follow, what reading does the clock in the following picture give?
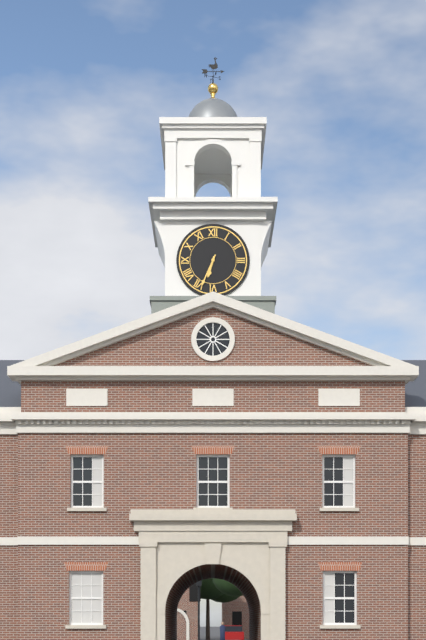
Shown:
6h34
